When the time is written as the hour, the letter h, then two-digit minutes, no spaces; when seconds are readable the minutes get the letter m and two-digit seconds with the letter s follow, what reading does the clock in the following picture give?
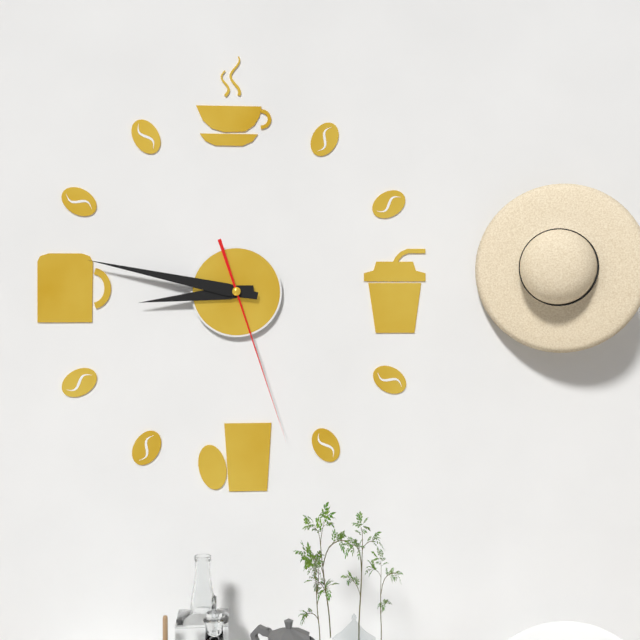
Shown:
8h47m27s
